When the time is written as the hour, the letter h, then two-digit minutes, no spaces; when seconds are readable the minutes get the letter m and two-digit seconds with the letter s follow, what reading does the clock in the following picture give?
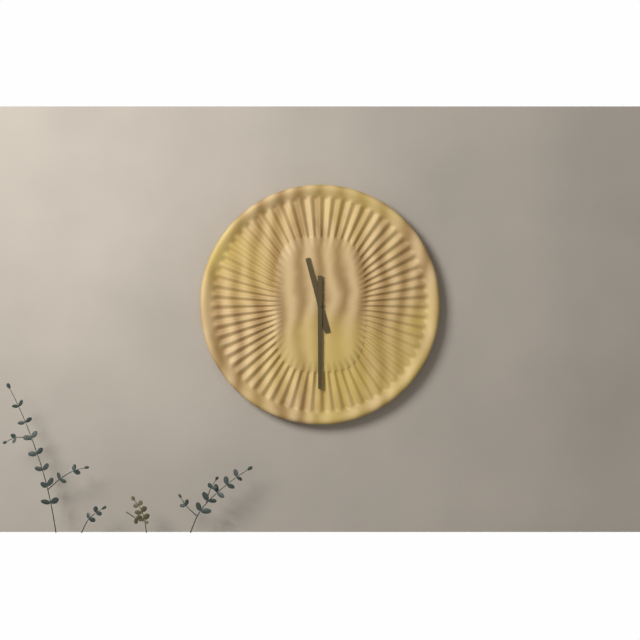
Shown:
11h30
